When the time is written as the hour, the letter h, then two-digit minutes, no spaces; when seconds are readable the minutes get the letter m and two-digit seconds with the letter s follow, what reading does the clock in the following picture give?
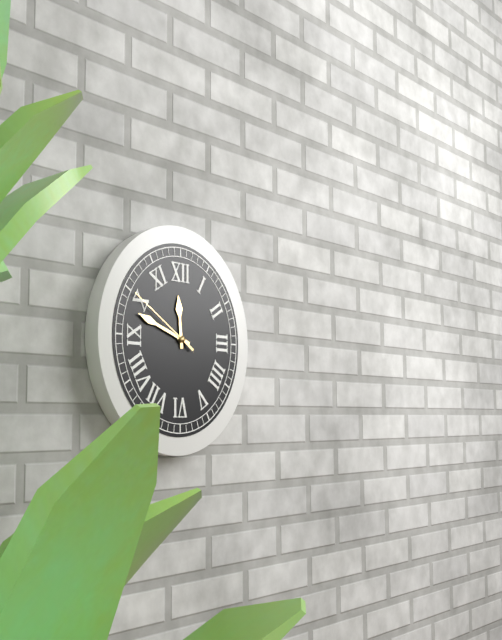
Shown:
11h48m50s
